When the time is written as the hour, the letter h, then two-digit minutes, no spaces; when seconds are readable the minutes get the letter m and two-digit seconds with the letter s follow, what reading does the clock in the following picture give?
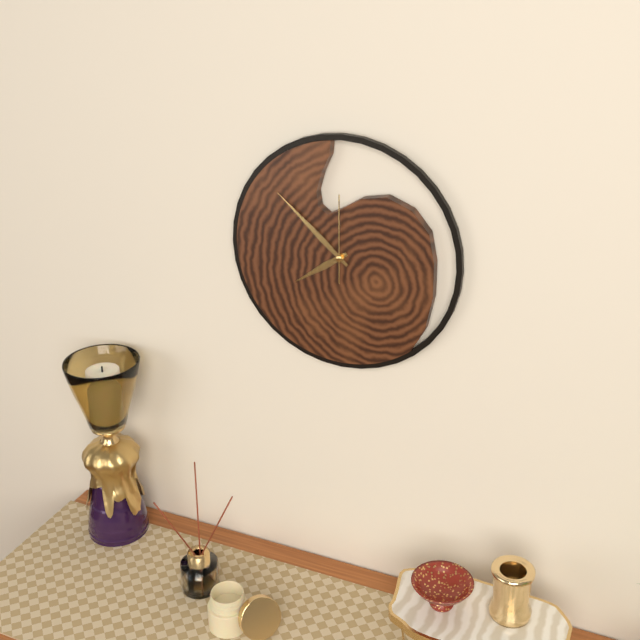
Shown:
7h52m00s
